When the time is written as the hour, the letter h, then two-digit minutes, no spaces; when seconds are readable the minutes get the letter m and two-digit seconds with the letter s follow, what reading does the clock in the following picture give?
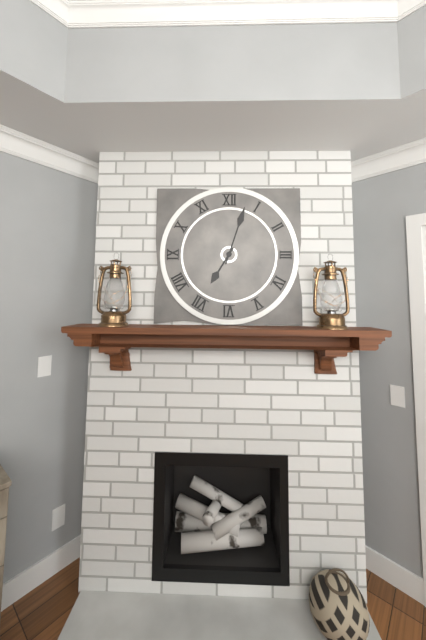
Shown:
7h03
